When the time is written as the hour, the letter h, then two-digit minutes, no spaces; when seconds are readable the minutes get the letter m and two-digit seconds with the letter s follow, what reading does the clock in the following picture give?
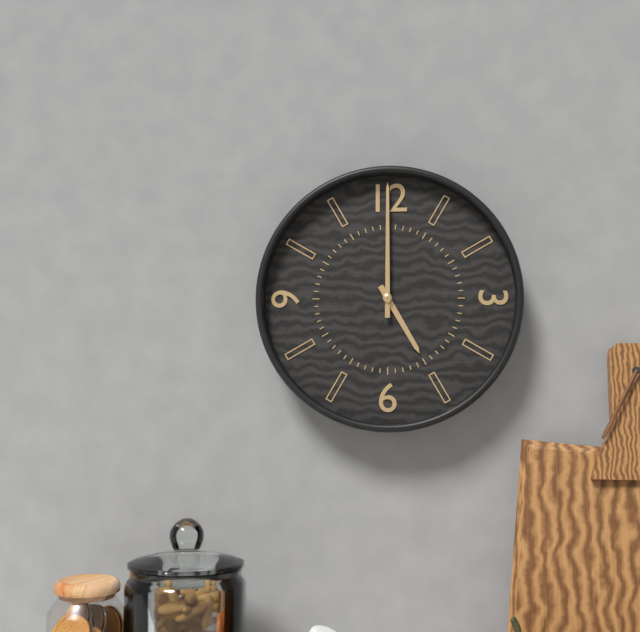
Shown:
5h00
